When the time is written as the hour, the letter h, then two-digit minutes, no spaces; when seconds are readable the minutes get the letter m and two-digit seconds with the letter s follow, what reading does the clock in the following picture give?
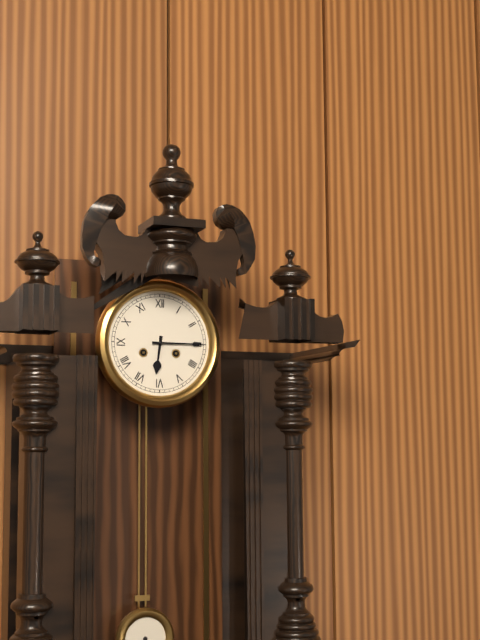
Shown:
6h15
